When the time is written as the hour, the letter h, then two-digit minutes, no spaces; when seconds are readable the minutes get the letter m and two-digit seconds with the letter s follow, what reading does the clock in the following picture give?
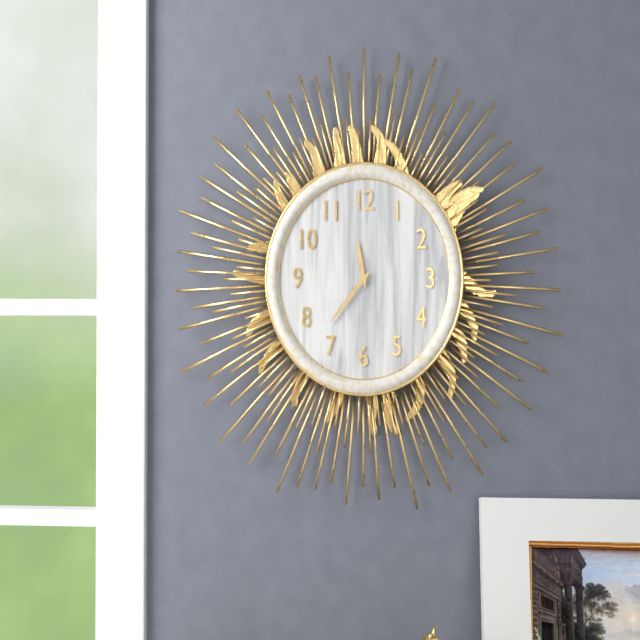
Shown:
11h37
